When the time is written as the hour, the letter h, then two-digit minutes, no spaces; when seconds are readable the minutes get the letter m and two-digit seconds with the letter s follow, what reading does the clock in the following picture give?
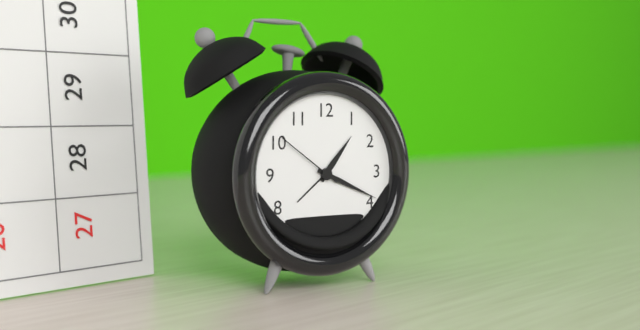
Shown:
1h19m51s
